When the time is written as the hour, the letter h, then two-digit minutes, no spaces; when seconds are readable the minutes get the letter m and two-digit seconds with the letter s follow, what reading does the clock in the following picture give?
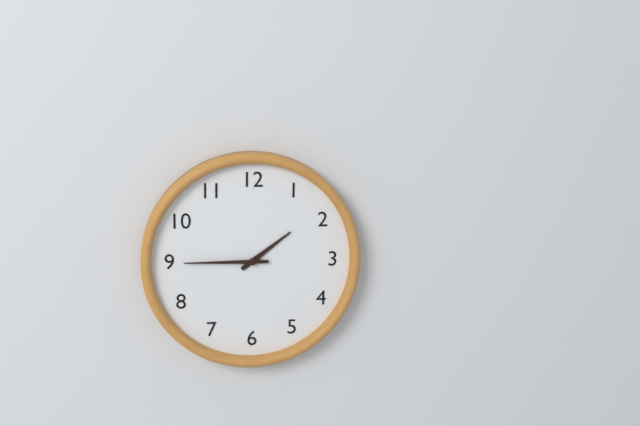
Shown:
1h45
